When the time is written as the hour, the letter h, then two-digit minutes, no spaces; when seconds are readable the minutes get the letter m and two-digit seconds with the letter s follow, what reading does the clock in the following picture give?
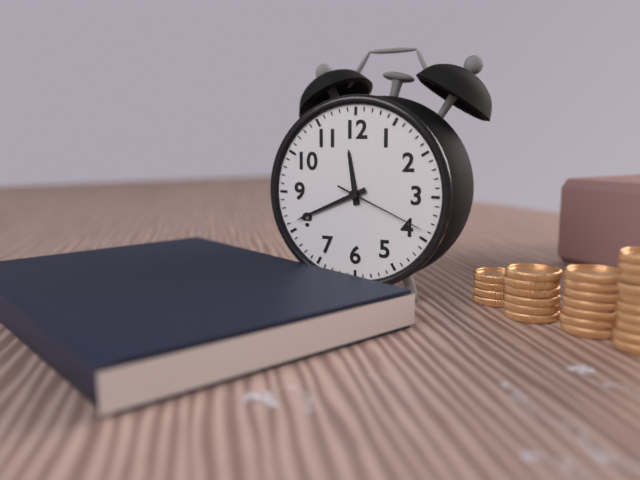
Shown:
11h41m19s
